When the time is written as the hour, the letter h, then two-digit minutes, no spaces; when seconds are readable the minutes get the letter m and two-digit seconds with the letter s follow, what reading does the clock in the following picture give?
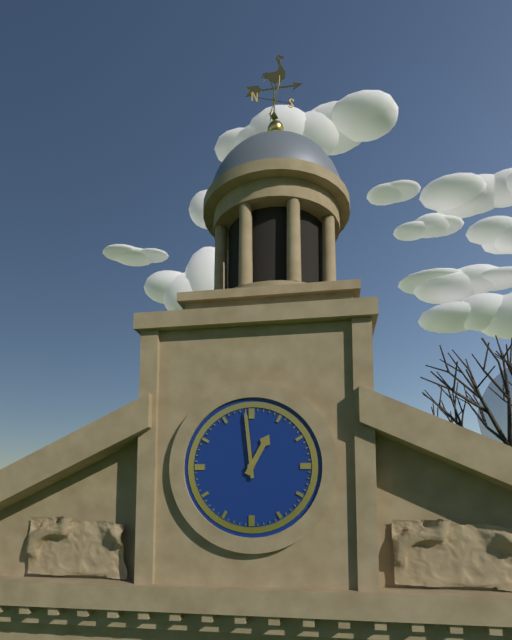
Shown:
12h59
